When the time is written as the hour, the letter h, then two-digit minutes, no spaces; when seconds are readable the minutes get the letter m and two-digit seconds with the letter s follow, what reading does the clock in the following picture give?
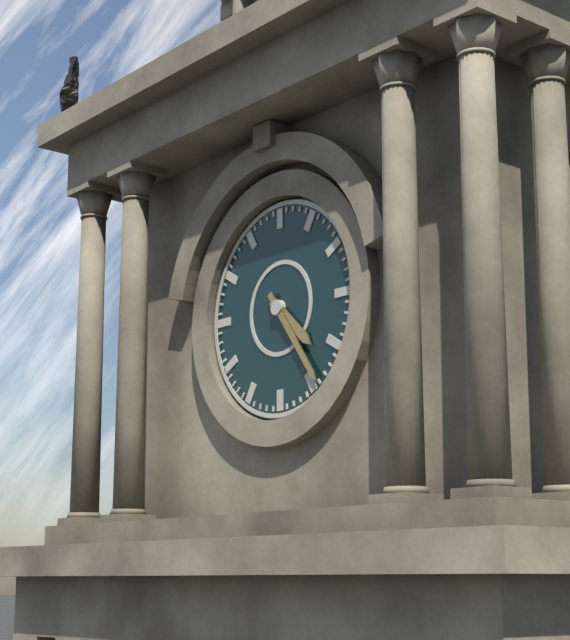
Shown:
4h24
